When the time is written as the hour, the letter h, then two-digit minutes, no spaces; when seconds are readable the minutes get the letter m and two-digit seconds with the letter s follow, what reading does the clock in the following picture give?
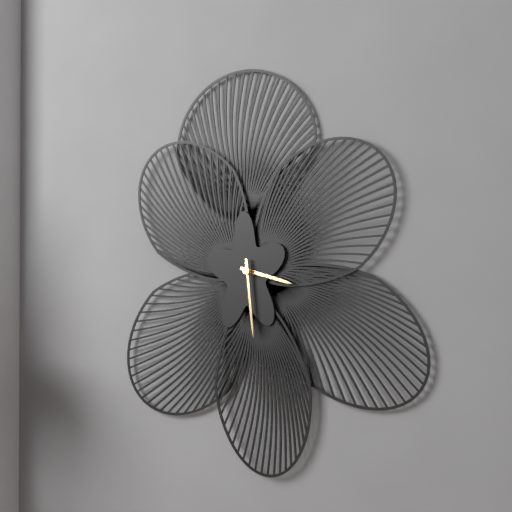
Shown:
3h29
